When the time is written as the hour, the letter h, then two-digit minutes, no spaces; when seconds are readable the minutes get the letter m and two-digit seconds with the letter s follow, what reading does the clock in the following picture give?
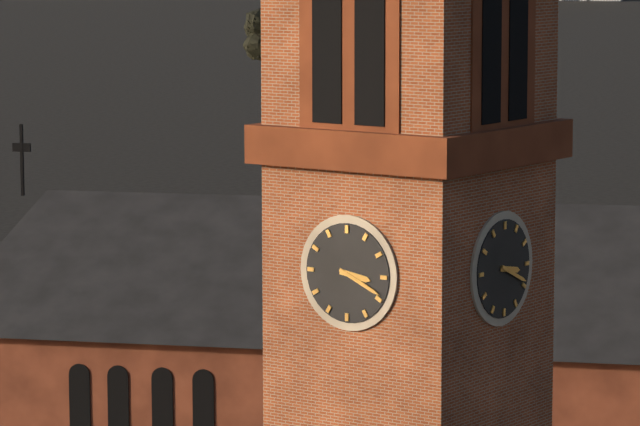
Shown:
3h19
